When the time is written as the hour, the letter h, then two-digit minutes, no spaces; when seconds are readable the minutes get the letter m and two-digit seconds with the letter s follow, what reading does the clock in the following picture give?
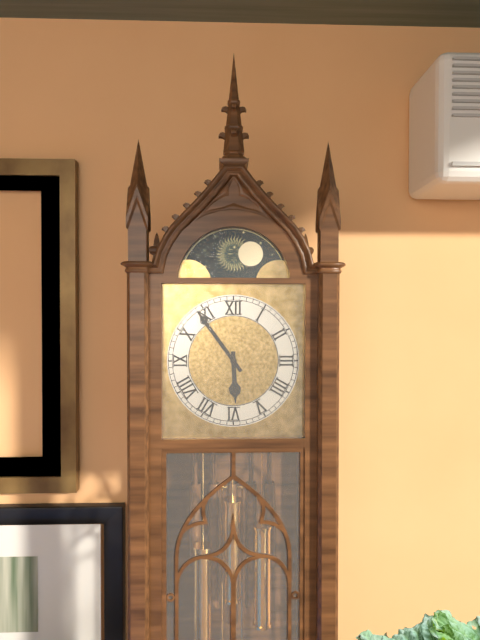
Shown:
5h54
